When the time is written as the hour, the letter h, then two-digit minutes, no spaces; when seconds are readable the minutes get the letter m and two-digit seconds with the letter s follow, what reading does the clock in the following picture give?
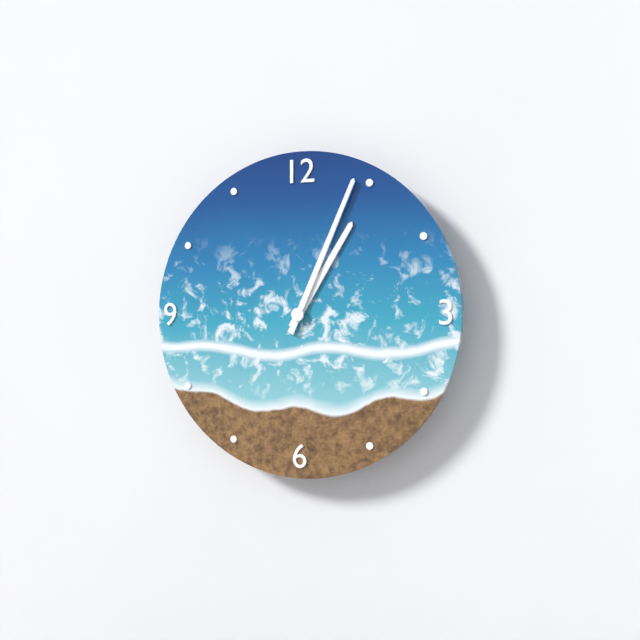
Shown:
1h04
